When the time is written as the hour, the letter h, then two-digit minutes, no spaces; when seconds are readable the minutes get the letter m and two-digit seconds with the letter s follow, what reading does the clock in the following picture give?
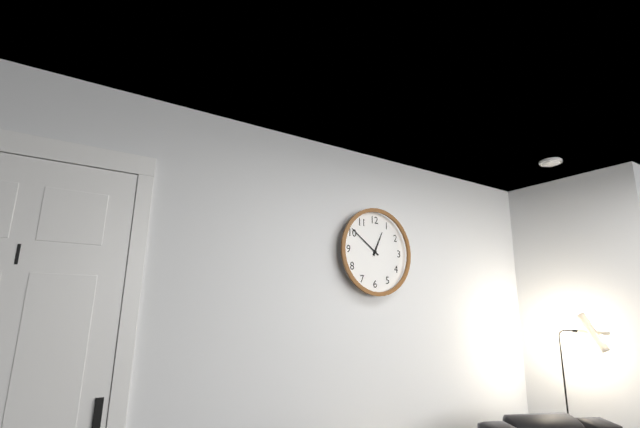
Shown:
12h51
